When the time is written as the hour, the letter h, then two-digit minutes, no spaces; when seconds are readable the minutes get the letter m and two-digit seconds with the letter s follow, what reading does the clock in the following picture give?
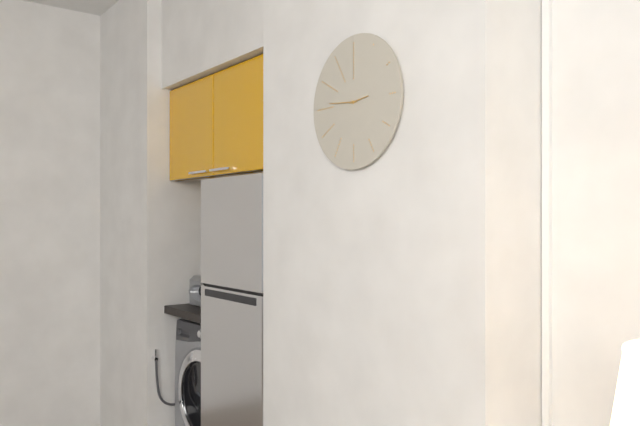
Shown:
2h46
